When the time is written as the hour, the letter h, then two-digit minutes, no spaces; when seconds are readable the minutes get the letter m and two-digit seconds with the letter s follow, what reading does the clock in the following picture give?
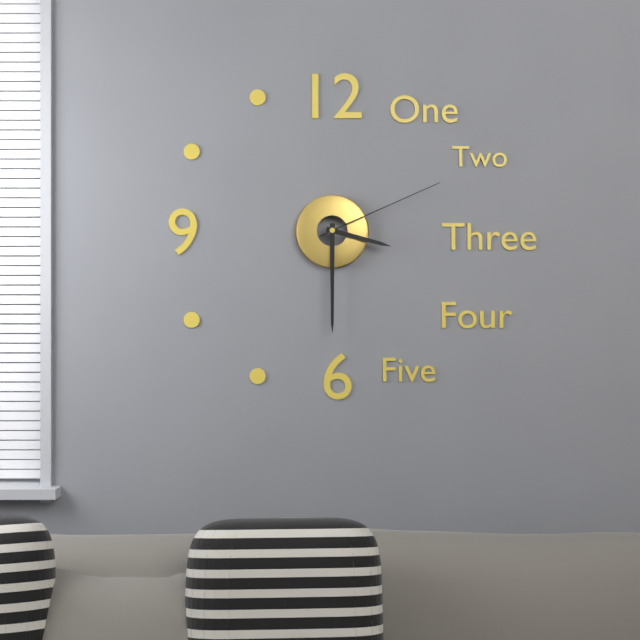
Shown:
3h30m11s
